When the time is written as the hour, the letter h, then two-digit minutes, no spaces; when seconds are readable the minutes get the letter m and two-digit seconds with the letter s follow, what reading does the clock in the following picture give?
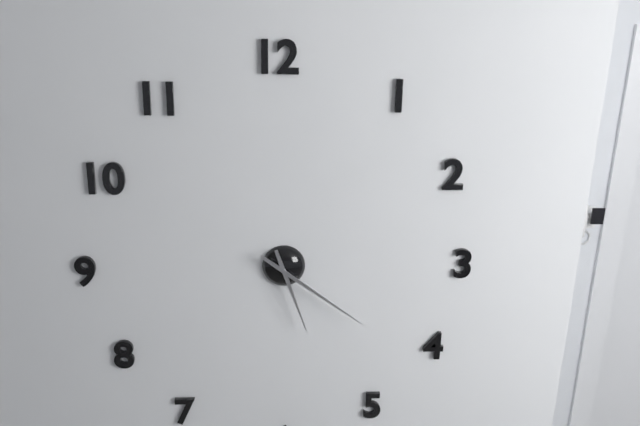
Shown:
5h21
